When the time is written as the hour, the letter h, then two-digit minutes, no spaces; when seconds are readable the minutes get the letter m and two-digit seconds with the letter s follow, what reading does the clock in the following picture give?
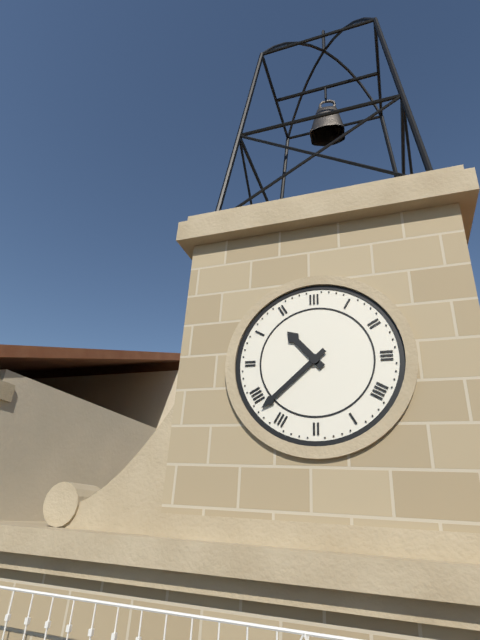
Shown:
10h38
